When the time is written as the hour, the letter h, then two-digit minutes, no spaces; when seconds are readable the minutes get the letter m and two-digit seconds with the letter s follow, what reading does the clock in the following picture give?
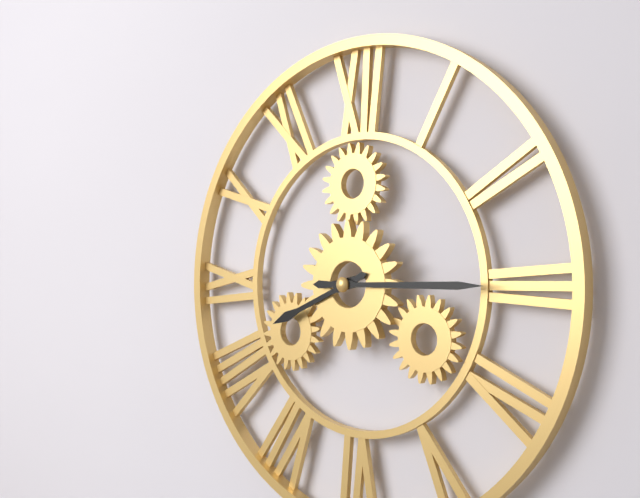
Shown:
8h15
